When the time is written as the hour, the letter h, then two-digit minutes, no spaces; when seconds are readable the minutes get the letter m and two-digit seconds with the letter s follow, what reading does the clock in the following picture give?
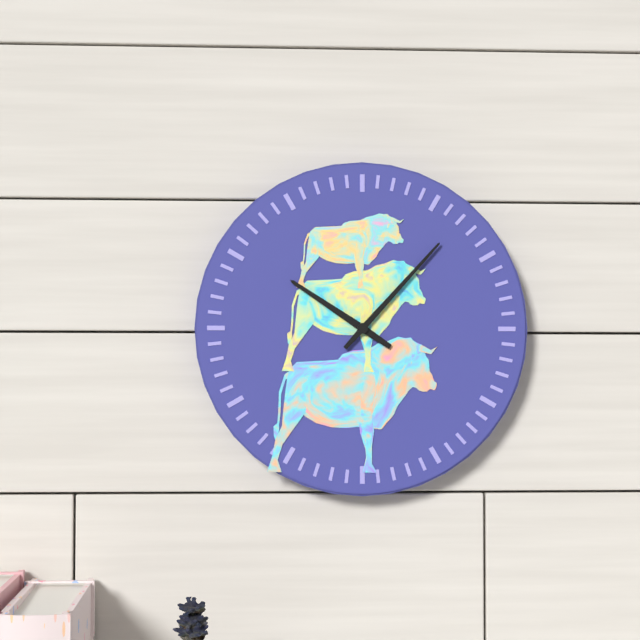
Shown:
10h07
